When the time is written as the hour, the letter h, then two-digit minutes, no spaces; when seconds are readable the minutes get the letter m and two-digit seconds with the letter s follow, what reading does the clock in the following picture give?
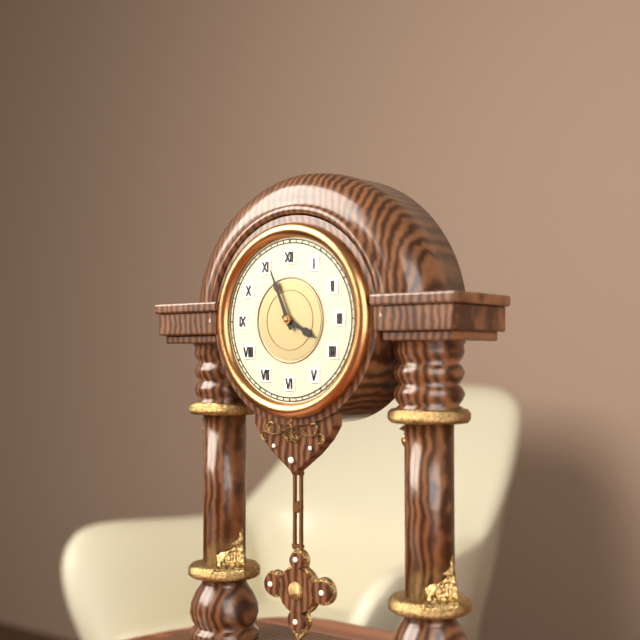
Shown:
3h56
